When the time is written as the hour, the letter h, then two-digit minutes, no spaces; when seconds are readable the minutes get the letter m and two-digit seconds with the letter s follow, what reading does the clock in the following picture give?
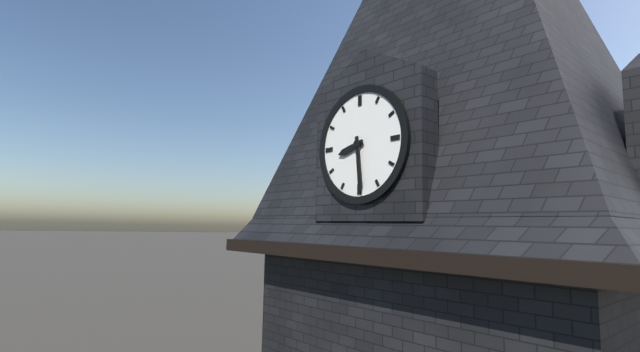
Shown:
8h29
